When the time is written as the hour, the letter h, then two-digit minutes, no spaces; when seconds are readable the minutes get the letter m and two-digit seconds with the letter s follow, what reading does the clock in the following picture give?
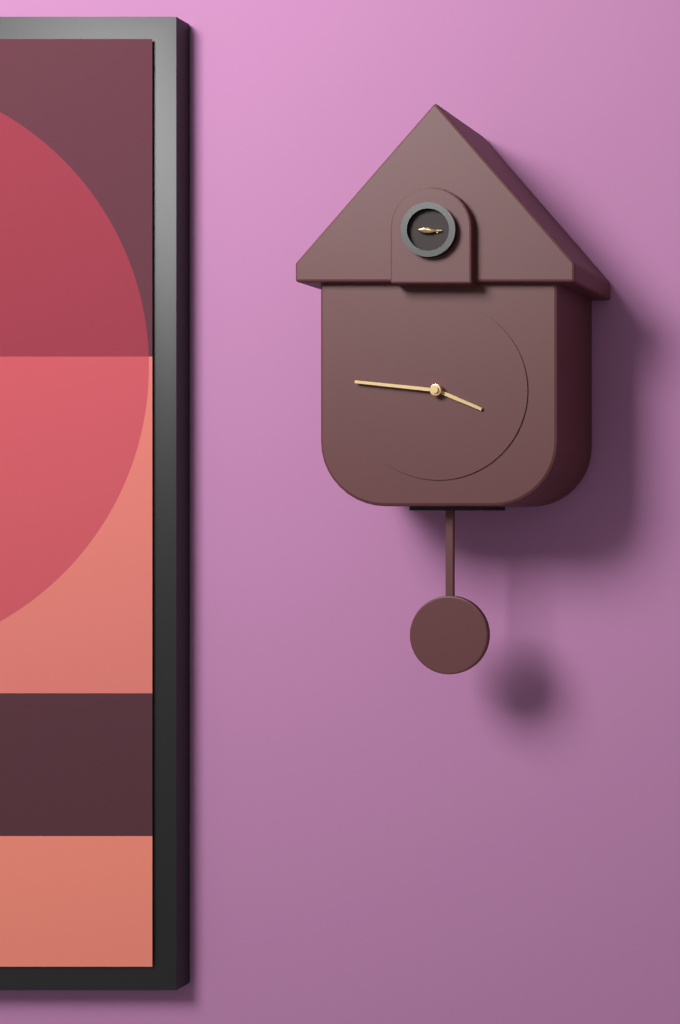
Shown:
3h46
